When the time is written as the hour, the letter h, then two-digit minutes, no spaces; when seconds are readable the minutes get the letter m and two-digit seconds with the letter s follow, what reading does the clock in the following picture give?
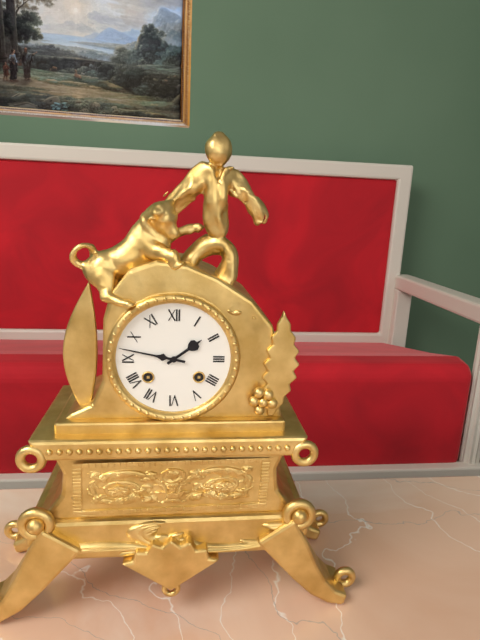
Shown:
1h47
